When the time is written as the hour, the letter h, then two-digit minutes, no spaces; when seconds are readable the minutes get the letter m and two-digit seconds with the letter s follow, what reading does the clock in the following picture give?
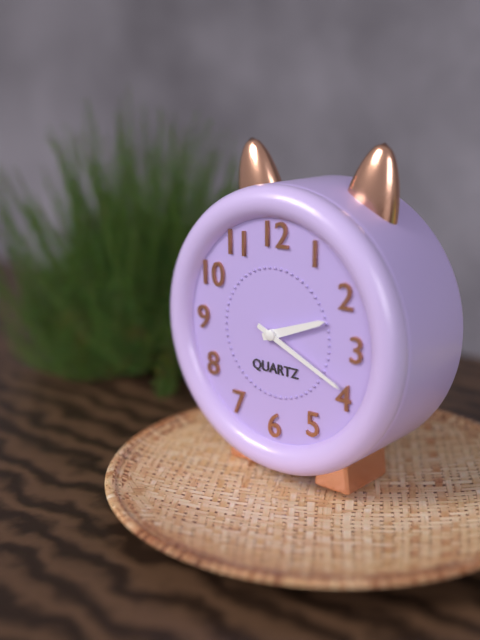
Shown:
2h19
